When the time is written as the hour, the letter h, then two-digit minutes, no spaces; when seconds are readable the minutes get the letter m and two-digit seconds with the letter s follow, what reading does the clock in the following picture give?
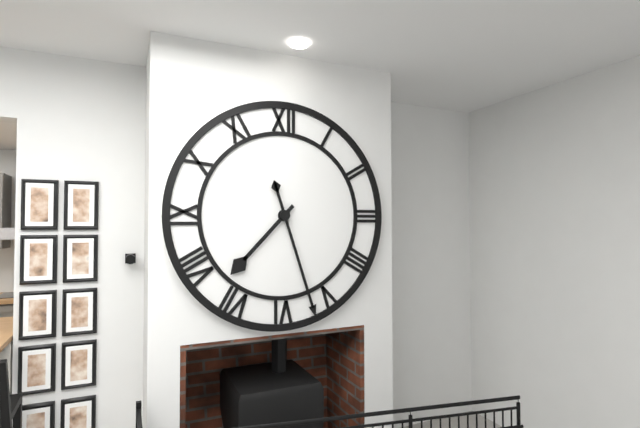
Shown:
7h27
